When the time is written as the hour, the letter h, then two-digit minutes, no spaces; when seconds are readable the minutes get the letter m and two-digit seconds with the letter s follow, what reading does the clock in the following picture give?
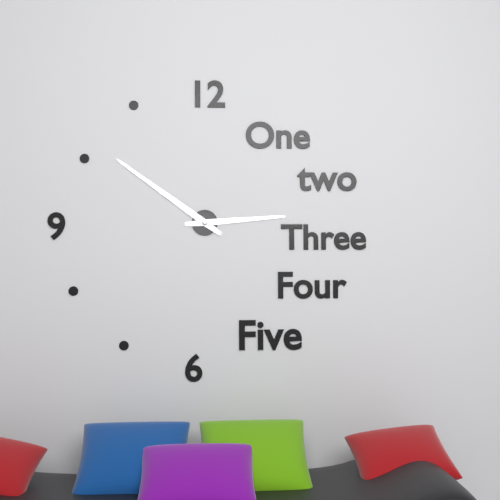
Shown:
2h51
